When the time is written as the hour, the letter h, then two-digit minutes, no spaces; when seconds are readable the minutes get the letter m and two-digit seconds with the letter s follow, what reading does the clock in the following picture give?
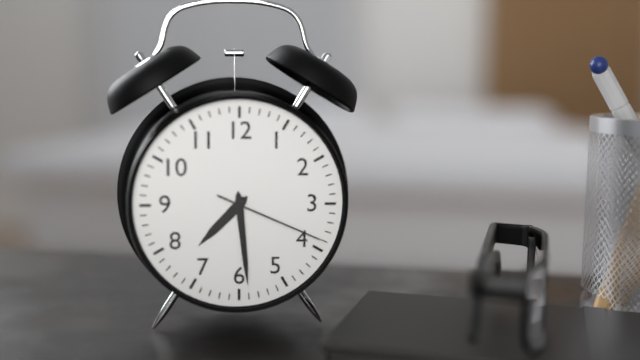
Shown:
7h29m19s
